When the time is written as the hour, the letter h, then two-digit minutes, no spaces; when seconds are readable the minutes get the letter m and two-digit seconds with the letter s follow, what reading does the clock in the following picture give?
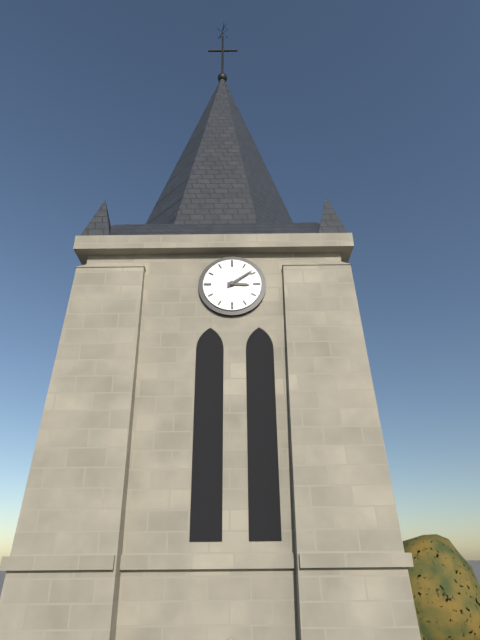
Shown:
3h09
